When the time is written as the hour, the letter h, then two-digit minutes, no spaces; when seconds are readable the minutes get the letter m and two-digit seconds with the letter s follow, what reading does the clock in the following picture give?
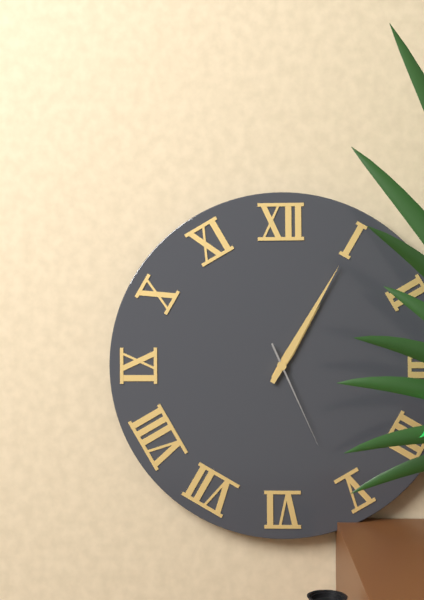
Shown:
1h05m26s
